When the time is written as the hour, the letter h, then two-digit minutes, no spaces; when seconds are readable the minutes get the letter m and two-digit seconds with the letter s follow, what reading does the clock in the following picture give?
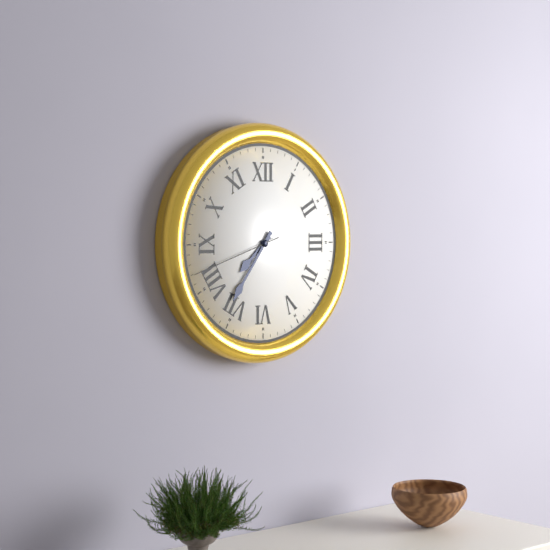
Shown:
7h36m42s
